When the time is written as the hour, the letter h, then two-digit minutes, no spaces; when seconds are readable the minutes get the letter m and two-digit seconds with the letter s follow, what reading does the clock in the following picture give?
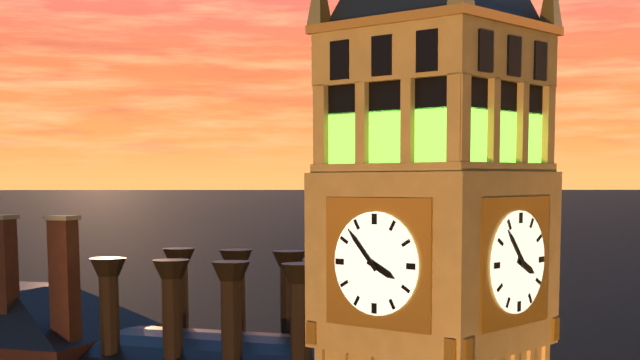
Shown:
3h53
